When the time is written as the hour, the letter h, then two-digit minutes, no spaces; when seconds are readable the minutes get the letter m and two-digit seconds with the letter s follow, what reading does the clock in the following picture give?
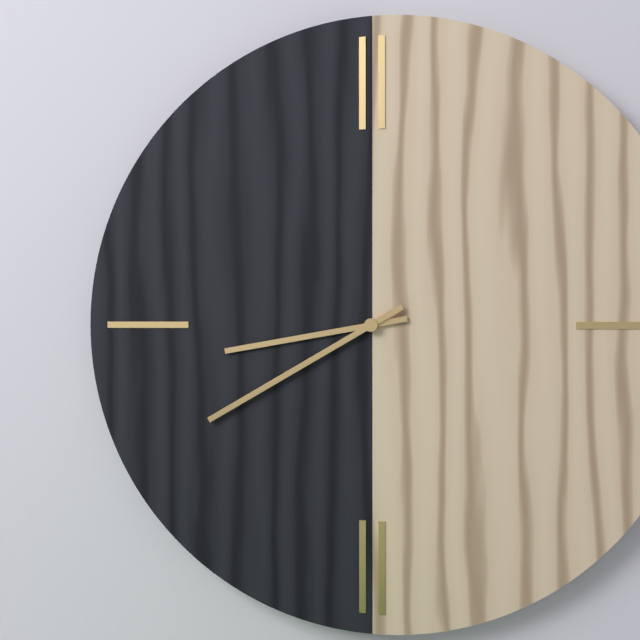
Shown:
8h40
